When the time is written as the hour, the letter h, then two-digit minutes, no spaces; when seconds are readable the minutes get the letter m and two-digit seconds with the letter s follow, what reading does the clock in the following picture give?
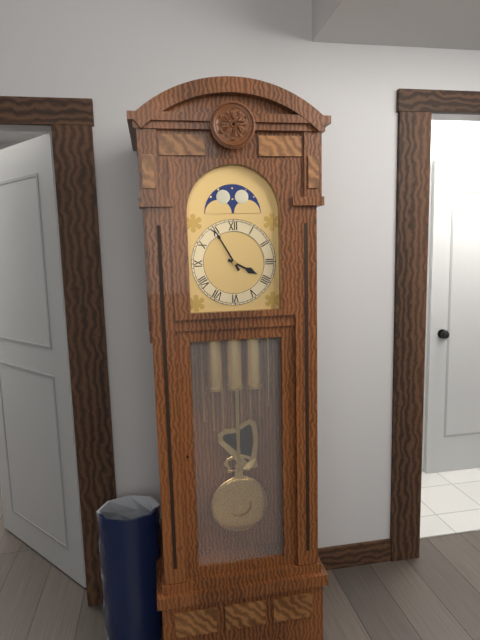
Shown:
3h55
